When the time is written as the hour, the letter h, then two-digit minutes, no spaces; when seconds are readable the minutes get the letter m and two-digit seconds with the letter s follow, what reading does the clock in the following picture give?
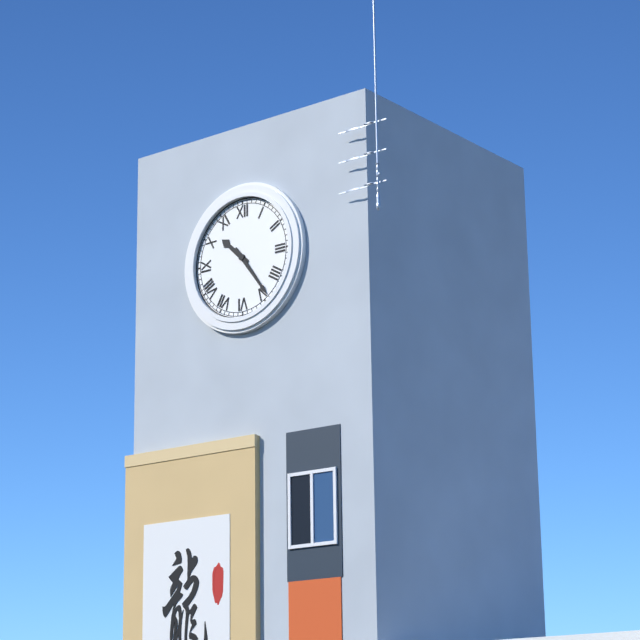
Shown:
10h24
